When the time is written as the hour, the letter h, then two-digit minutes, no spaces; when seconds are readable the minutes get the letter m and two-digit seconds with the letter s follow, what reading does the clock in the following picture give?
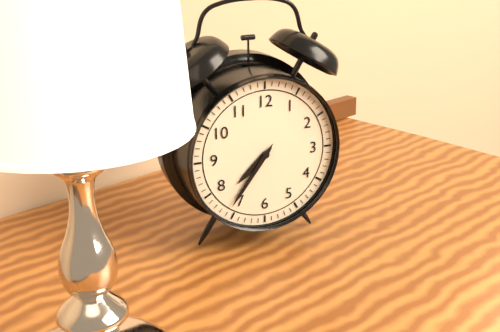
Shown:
7h36
